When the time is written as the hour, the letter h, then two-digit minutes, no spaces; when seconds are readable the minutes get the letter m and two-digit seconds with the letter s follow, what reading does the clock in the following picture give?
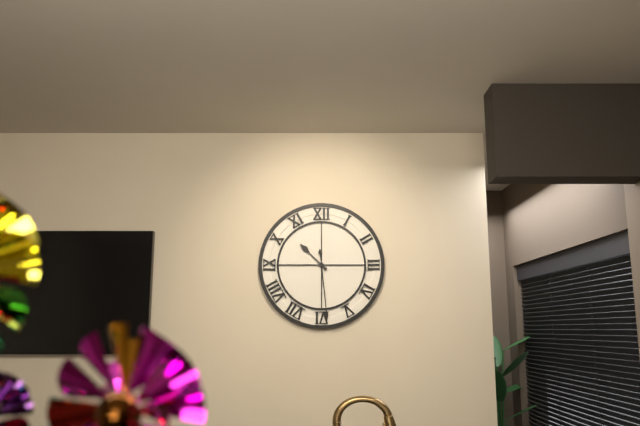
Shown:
10h29
